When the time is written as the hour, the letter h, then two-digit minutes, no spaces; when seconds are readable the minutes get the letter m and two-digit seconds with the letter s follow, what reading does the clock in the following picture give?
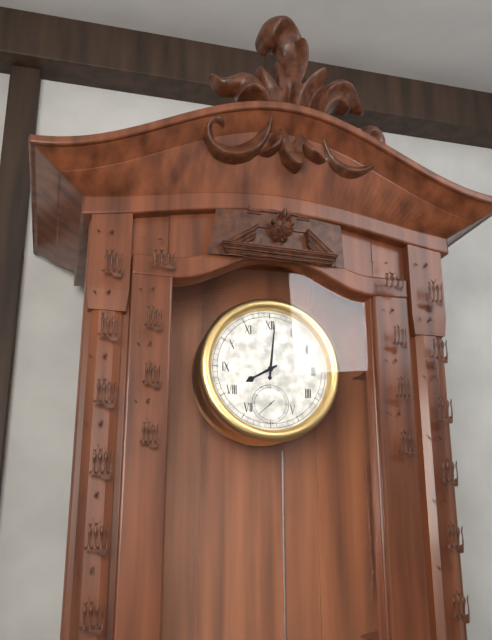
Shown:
8h01
